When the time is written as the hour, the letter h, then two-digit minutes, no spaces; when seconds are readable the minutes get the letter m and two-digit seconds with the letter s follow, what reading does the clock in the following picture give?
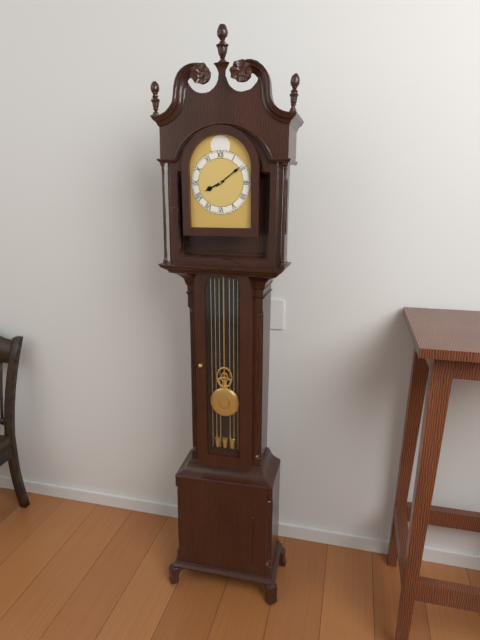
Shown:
8h09
